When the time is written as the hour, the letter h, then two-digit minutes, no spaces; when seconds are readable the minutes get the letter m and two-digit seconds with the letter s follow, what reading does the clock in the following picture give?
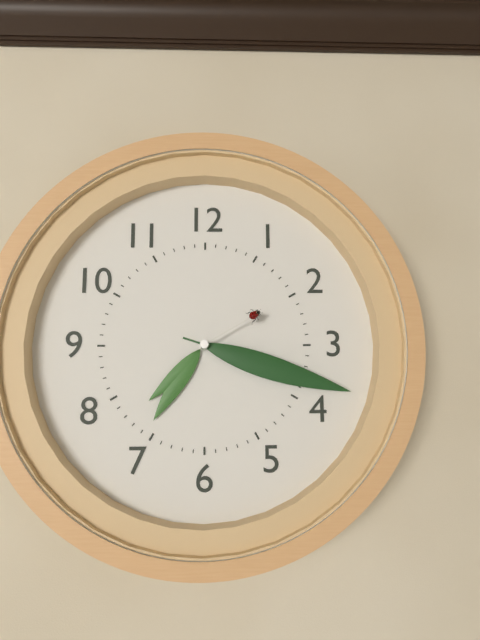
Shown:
7h18m10s
